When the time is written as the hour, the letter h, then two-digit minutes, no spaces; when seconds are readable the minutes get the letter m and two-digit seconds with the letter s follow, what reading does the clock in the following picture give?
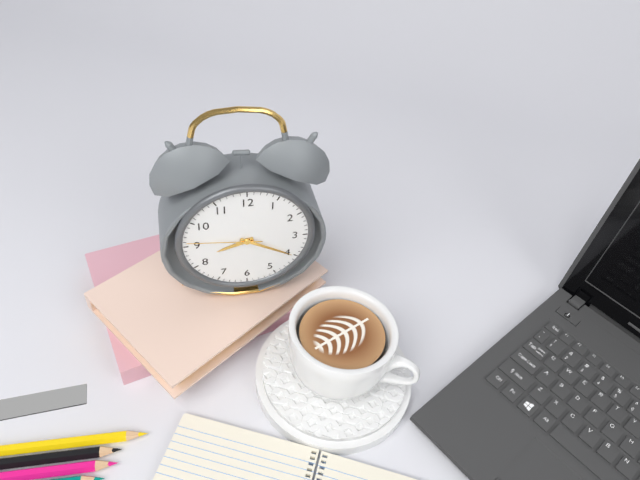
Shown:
8h20m46s
